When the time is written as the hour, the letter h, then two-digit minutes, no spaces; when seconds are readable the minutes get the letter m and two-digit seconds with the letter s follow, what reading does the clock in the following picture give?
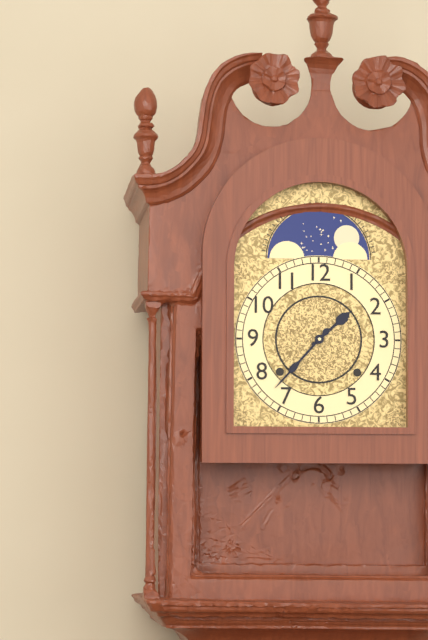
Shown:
1h37
